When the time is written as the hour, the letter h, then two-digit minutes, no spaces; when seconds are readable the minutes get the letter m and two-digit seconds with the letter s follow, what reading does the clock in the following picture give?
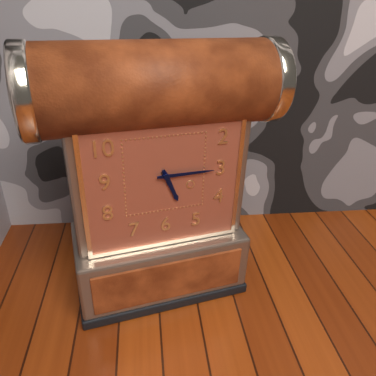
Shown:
5h15
